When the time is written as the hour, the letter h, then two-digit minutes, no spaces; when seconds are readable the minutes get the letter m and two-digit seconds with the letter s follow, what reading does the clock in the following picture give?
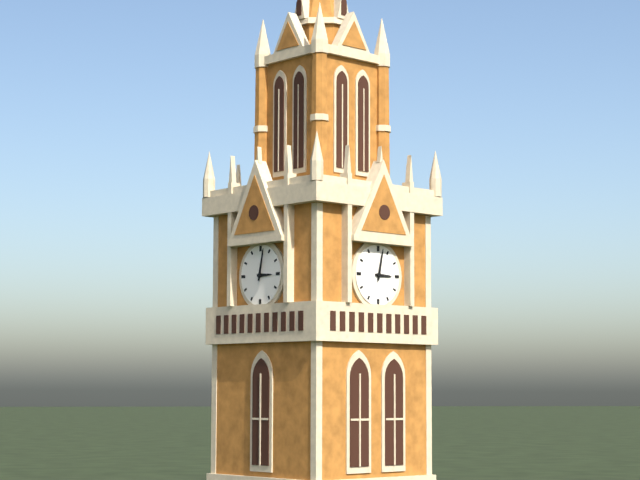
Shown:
3h02
